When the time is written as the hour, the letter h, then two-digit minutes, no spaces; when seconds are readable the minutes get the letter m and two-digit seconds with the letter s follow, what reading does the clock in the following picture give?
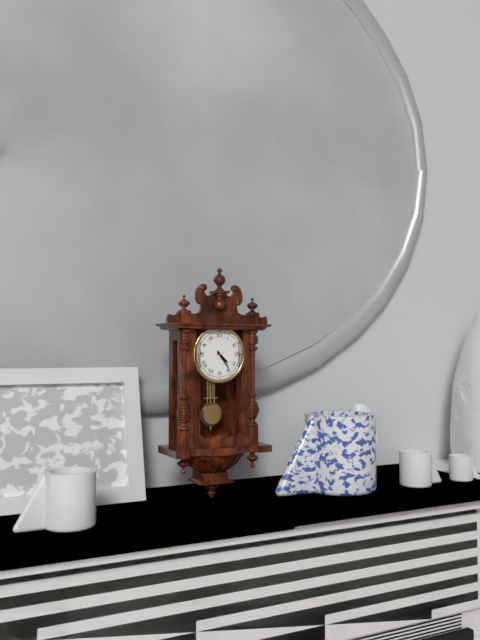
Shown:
4h24
